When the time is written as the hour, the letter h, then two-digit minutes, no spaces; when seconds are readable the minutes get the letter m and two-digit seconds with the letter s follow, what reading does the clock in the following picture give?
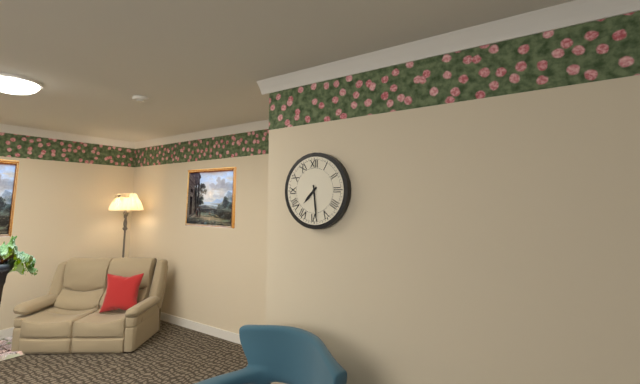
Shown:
7h29
